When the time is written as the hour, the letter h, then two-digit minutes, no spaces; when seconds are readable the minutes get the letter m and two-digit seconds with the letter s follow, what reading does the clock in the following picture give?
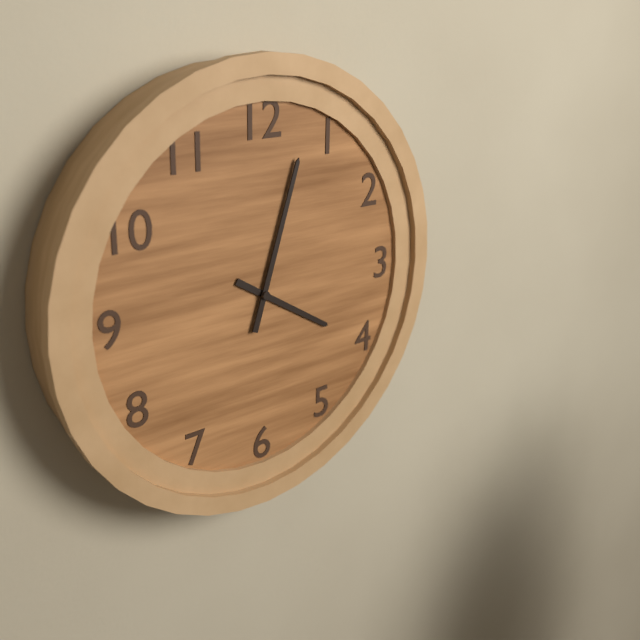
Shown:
4h03
